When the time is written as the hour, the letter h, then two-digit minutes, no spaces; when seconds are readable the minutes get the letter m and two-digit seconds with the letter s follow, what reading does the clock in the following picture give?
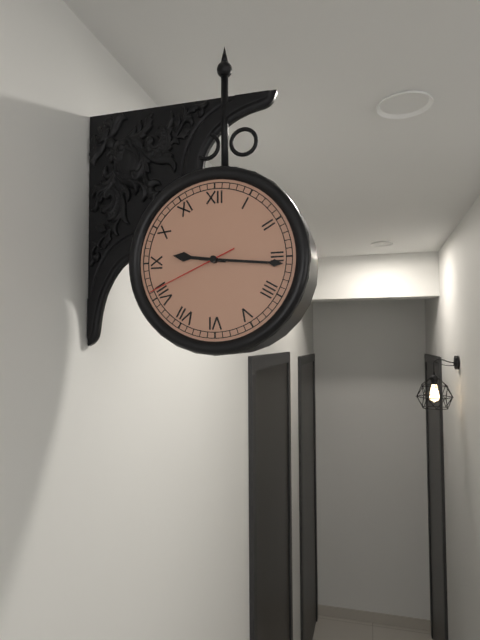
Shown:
9h16m41s
